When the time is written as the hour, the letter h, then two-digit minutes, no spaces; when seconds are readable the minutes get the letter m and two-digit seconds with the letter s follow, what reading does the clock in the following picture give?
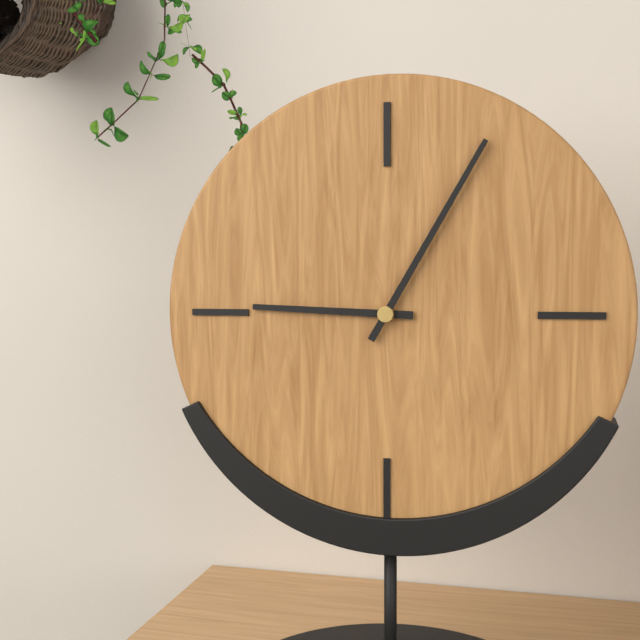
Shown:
9h05
